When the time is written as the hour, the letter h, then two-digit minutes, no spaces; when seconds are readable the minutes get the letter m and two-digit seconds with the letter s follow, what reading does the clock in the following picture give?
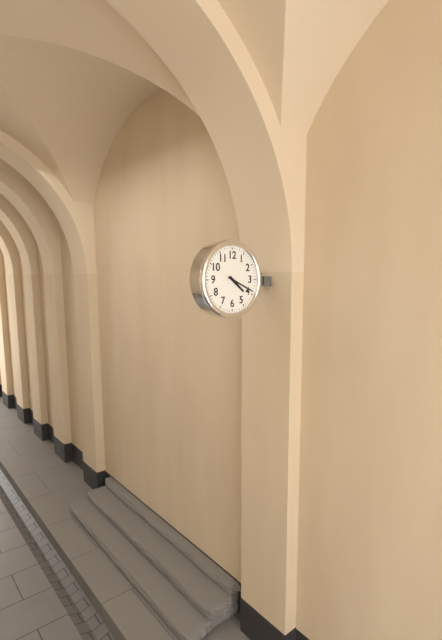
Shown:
4h19
